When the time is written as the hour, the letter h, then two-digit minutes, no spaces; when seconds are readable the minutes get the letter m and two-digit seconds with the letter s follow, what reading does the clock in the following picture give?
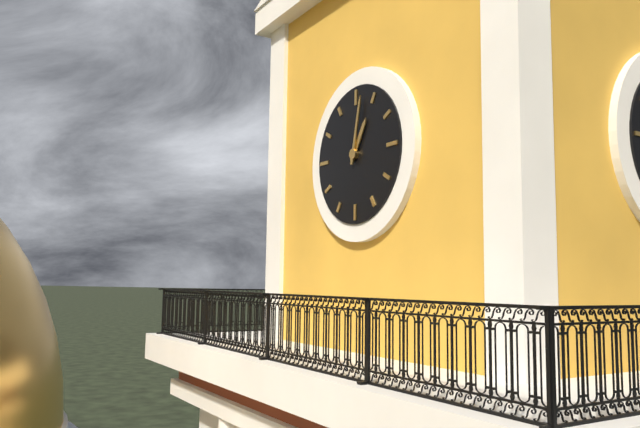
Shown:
1h02
